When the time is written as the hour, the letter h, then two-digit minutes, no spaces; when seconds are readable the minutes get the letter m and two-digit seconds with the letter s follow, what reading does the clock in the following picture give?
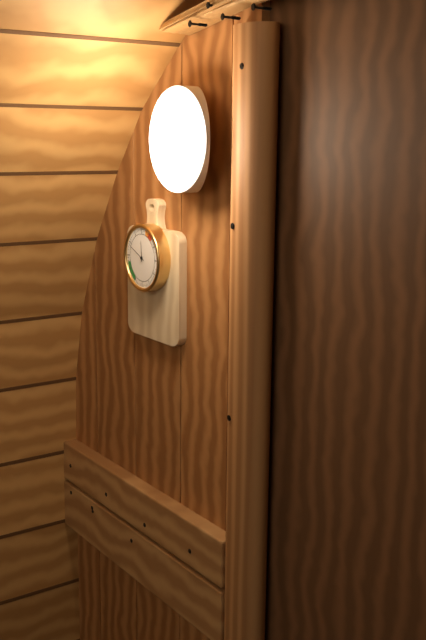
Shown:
11h49
